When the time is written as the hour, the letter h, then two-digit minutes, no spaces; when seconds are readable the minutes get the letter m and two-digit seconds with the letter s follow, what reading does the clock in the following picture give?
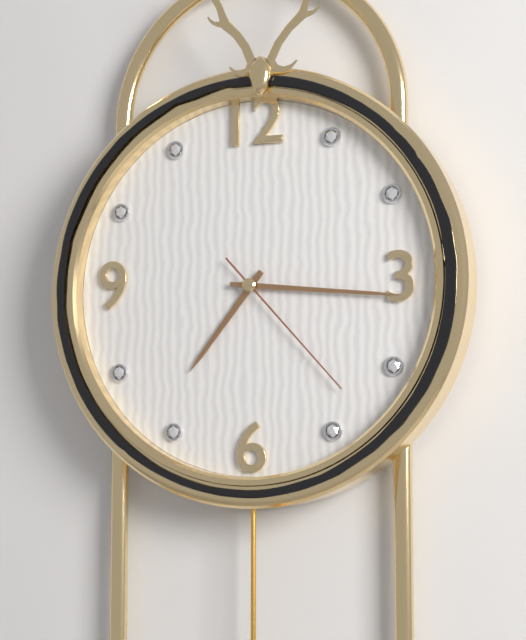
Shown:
7h16m23s
